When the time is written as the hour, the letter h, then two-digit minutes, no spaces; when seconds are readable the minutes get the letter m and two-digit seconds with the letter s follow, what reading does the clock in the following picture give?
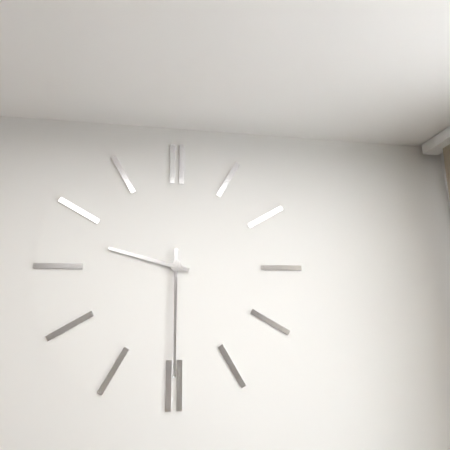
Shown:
9h30
